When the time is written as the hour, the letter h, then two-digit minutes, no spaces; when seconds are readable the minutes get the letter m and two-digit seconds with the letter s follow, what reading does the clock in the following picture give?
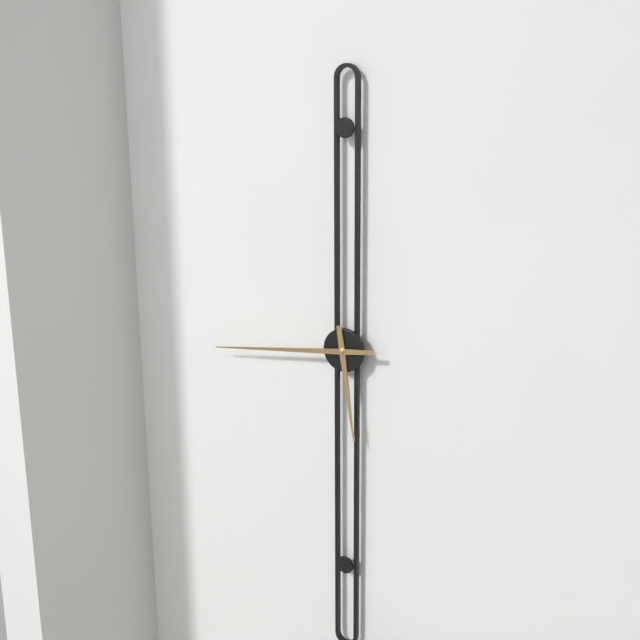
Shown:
5h44
